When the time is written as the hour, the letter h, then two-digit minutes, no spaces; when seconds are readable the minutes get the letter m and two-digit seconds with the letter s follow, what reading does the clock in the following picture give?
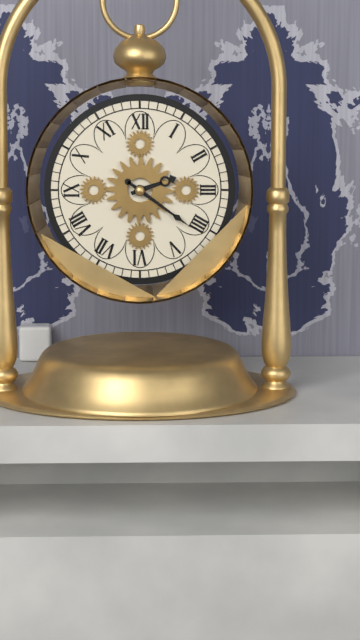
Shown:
2h21
